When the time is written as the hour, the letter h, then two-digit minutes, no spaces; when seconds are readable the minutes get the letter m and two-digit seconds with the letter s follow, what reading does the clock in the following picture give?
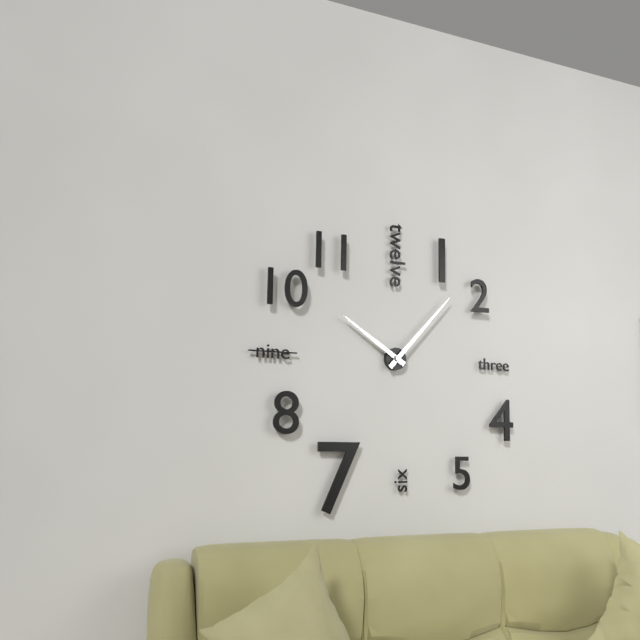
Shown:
10h07
